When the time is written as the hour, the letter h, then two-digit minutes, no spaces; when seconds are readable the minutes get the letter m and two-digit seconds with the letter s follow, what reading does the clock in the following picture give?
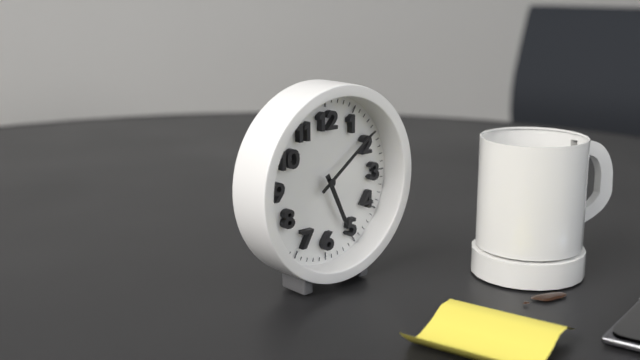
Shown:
5h09
